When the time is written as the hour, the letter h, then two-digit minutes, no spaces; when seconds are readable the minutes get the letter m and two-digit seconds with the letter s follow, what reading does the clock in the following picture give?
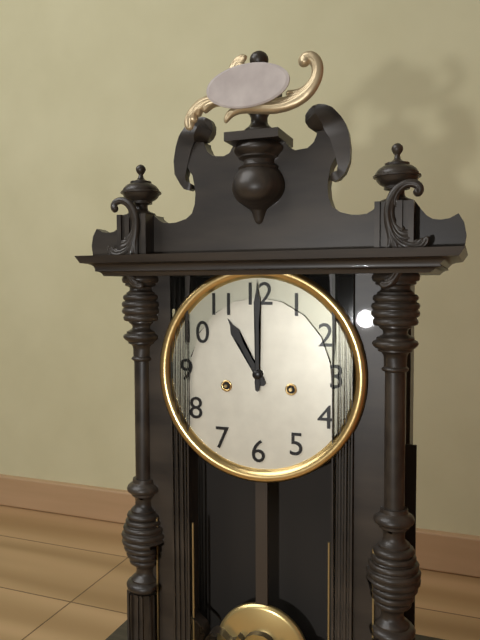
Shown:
11h00
